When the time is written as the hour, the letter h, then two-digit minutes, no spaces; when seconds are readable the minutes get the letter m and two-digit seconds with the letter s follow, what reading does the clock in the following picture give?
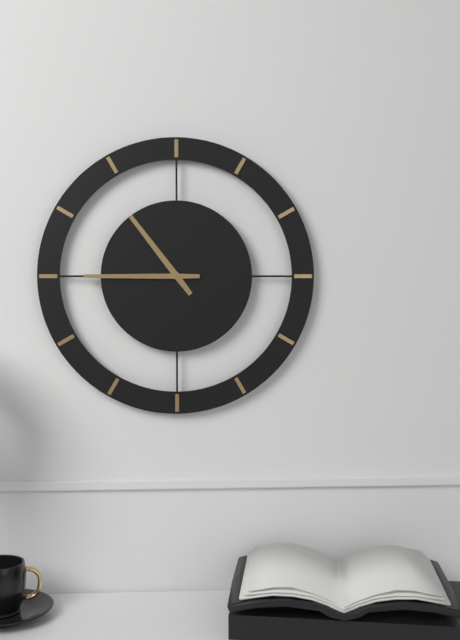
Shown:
10h45
